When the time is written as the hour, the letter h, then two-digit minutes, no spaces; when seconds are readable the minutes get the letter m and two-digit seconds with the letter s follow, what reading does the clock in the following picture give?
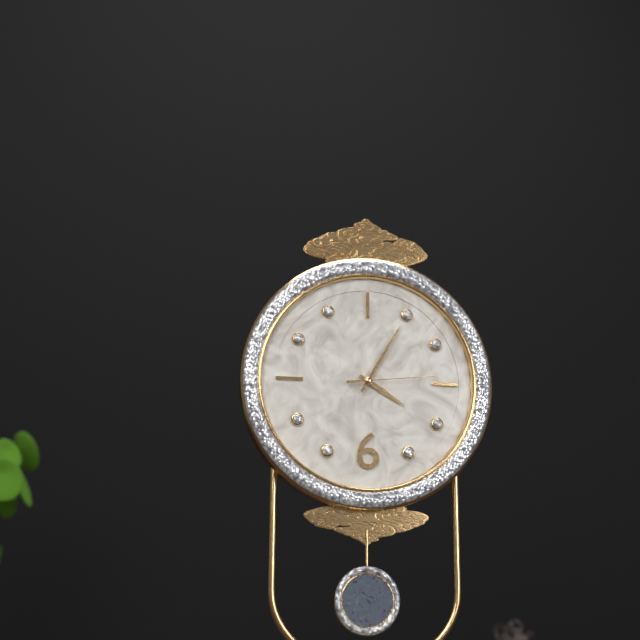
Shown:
4h05m14s
